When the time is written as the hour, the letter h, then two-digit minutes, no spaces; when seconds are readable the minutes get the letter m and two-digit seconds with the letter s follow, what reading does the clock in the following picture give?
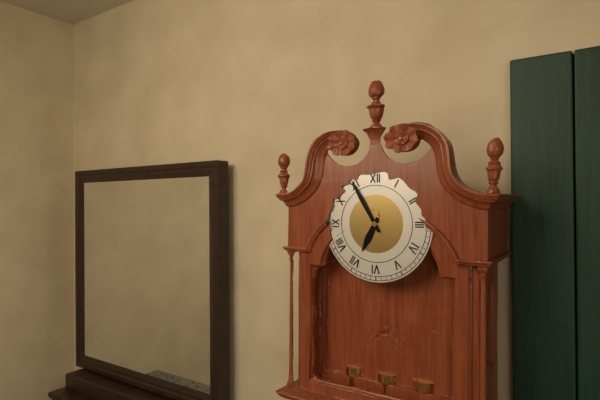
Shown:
6h55
